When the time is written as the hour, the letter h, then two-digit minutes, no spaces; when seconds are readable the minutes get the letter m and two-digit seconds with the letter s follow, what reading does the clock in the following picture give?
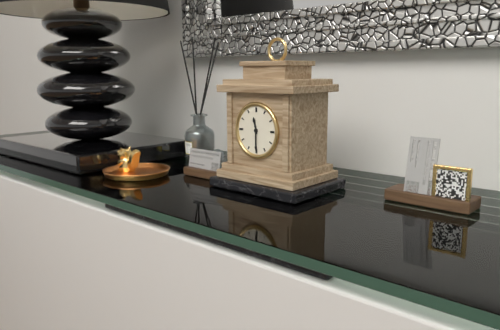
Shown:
11h30
